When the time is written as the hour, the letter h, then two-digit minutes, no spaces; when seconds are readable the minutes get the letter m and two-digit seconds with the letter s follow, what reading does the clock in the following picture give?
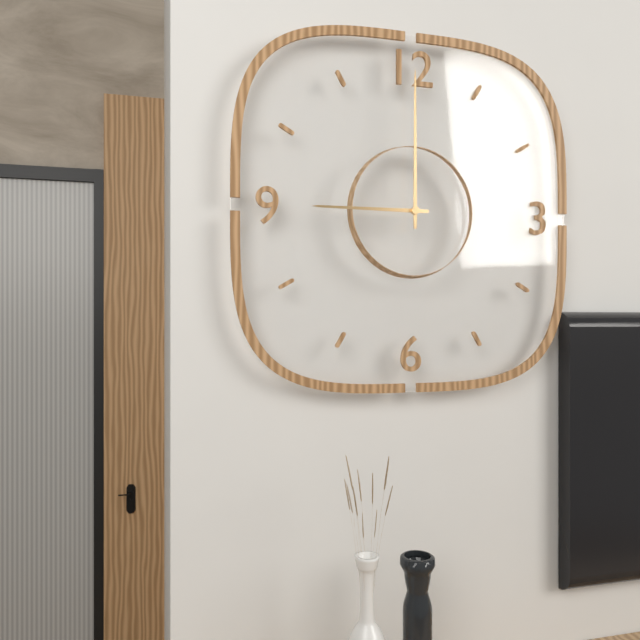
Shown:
9h00
